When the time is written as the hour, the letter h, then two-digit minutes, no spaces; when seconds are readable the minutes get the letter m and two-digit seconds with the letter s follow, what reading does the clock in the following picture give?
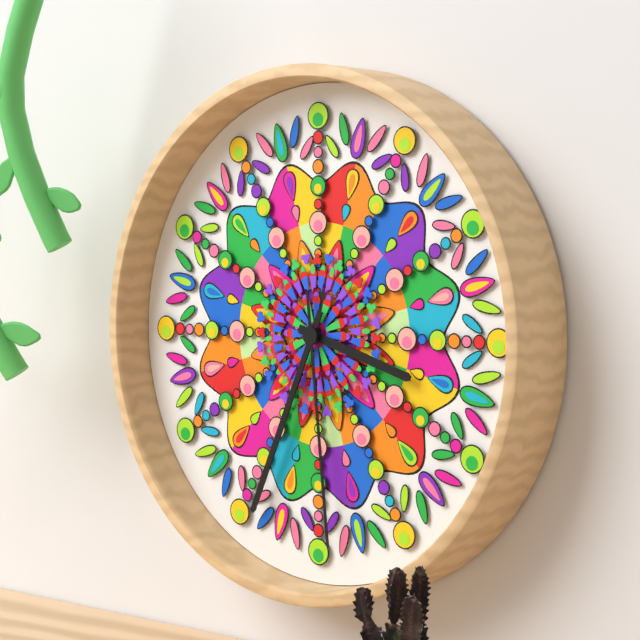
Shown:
3h34m29s
